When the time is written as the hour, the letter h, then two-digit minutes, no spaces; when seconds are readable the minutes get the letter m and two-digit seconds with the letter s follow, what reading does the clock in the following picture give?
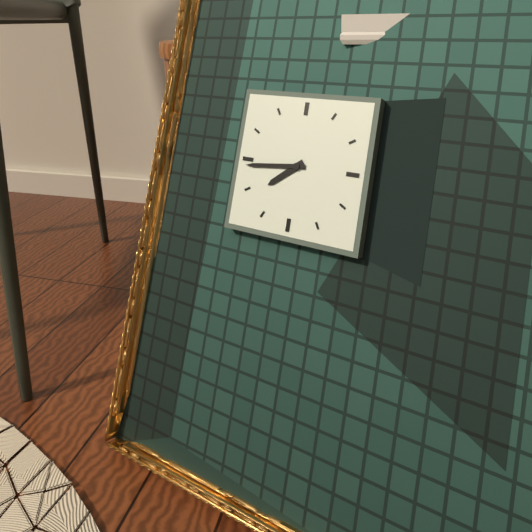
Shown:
7h44
